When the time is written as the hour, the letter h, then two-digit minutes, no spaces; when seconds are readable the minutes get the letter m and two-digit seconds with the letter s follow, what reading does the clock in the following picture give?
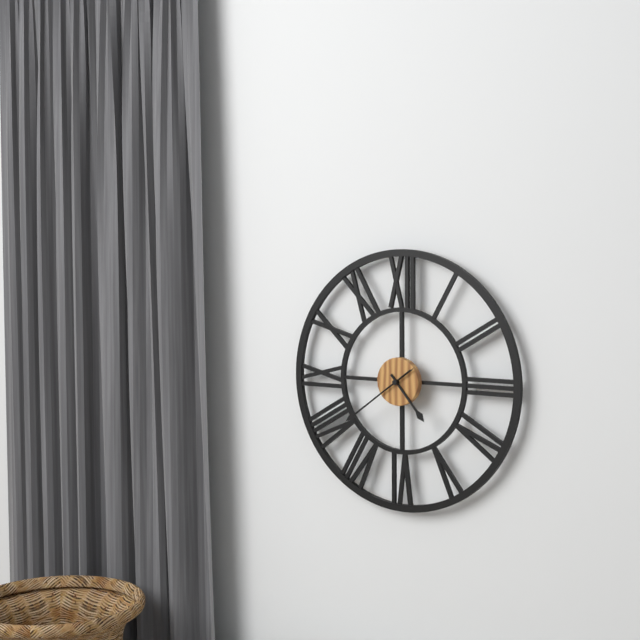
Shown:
4h39
